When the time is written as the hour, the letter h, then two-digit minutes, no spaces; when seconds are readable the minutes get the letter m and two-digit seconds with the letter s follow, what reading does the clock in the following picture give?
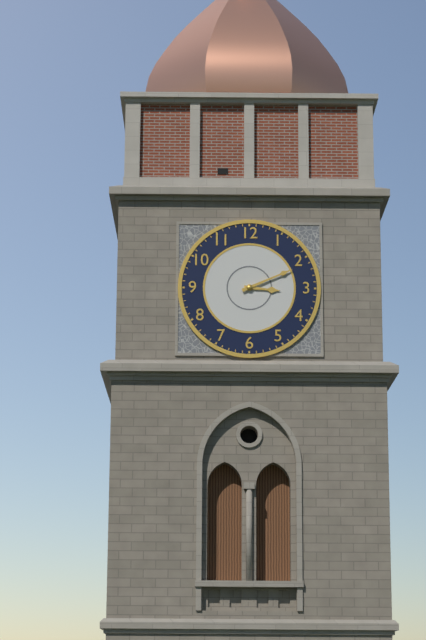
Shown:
3h11
